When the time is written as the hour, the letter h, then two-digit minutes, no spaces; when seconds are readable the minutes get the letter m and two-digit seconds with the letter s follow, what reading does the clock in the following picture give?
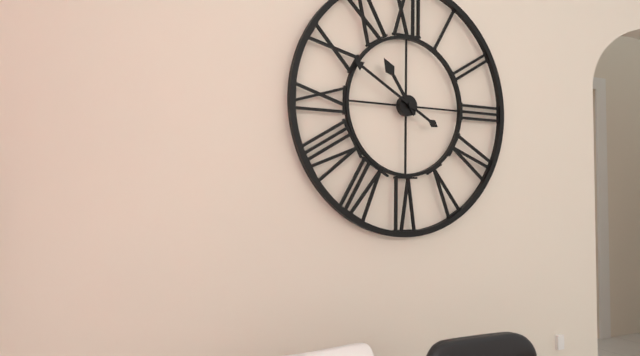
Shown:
10h50
